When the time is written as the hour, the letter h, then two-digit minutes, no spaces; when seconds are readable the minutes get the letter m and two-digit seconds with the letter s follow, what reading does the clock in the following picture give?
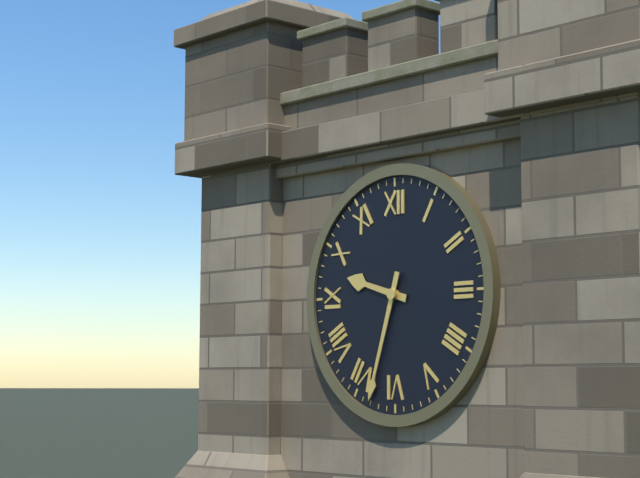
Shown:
9h33
